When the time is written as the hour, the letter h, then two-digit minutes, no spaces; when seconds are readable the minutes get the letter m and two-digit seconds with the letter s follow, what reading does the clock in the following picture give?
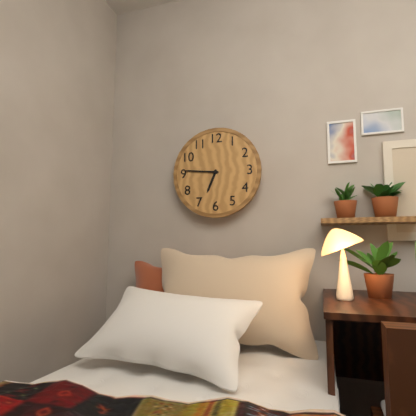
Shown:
6h46
